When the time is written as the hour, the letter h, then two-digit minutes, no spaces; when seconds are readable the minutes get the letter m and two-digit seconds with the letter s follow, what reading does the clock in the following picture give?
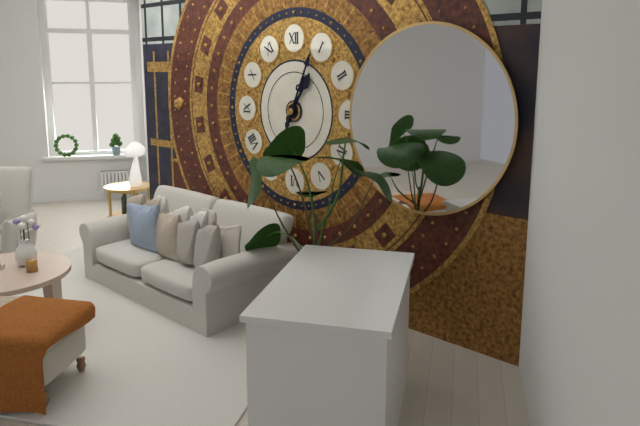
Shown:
1h04
